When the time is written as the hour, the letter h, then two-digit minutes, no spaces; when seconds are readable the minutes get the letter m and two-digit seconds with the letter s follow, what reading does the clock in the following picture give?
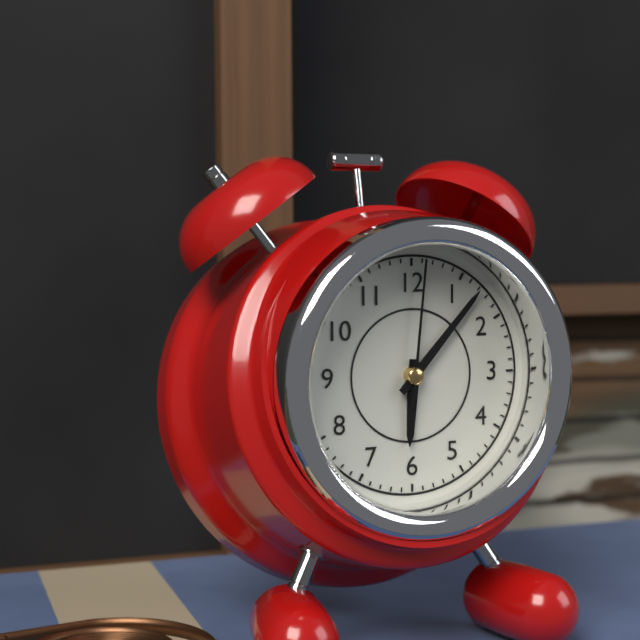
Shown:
6h07m01s
